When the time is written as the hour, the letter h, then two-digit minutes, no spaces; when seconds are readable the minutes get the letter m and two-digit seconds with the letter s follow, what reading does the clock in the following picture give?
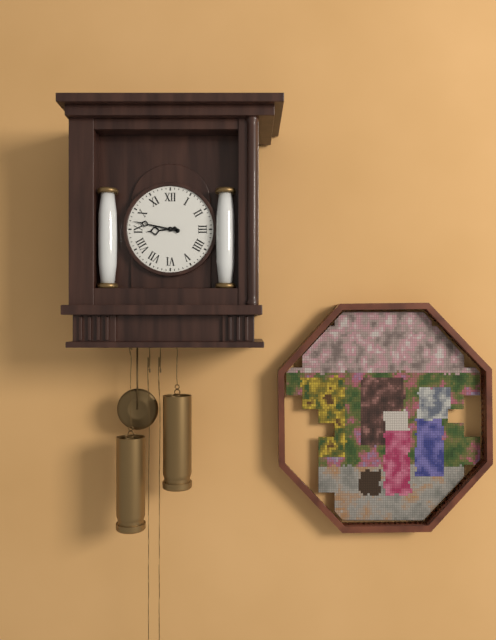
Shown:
8h47
